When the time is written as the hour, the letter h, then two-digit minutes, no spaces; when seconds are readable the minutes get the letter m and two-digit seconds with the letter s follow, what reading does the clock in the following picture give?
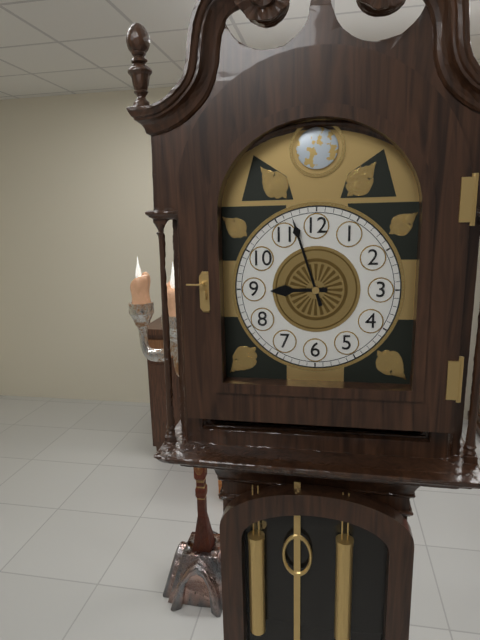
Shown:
8h57
